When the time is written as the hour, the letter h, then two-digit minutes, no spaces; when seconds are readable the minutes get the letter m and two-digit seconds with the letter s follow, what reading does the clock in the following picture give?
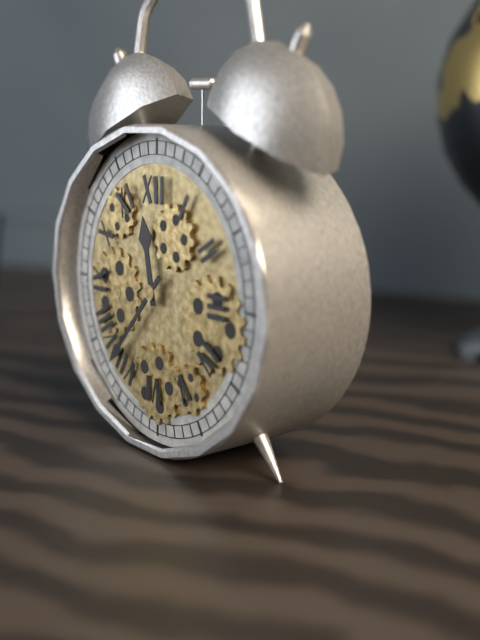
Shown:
11h37
